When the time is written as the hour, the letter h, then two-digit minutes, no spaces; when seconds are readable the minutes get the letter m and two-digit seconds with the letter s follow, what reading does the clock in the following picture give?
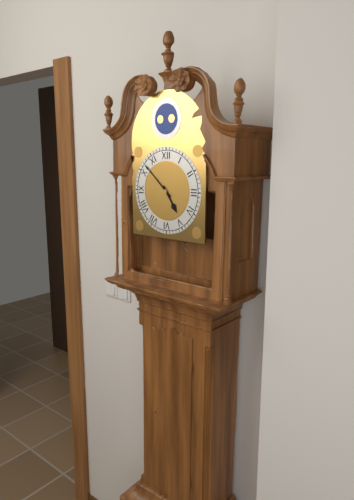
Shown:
4h52
